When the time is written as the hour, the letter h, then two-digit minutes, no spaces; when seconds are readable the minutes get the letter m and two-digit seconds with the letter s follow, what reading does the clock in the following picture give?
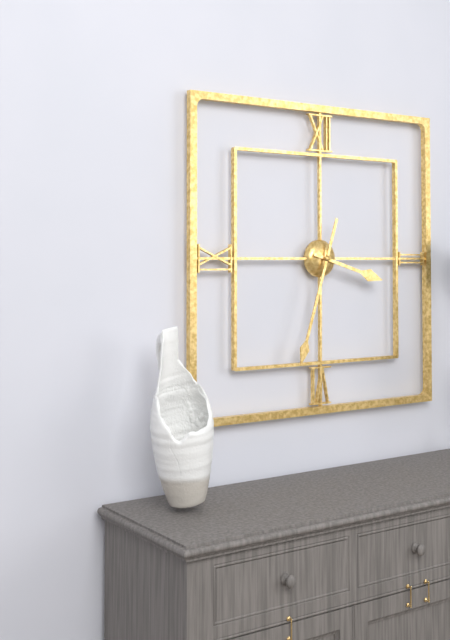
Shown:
3h33
